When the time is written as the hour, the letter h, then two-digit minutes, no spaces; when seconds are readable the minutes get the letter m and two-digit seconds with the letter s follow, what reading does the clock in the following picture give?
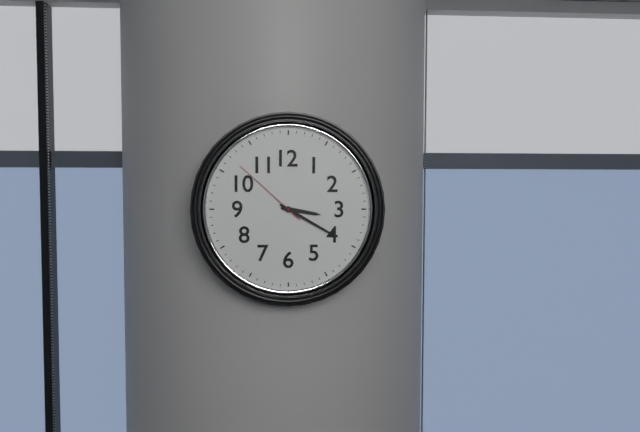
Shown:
3h20m52s
